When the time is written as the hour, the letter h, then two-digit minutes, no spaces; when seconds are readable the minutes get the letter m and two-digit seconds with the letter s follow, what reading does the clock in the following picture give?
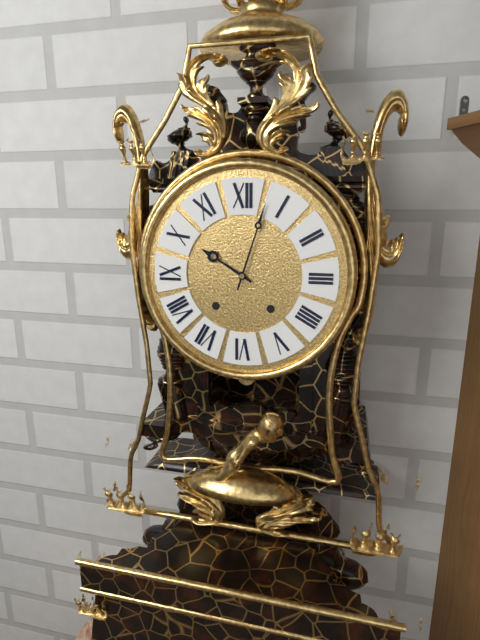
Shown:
10h03
